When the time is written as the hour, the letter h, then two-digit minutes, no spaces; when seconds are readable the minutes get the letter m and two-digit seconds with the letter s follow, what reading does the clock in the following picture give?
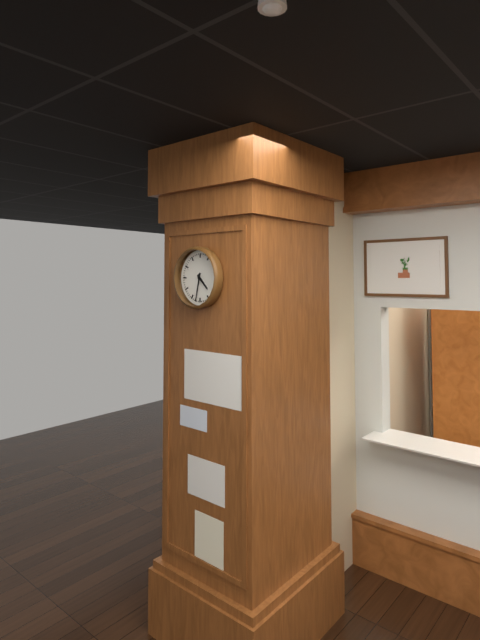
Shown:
4h32
